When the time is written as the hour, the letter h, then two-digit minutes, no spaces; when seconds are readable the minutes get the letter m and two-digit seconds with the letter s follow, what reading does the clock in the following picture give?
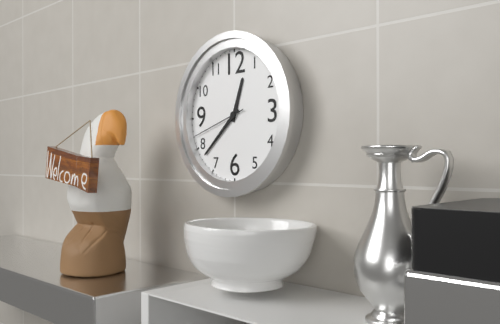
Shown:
12h38m42s
